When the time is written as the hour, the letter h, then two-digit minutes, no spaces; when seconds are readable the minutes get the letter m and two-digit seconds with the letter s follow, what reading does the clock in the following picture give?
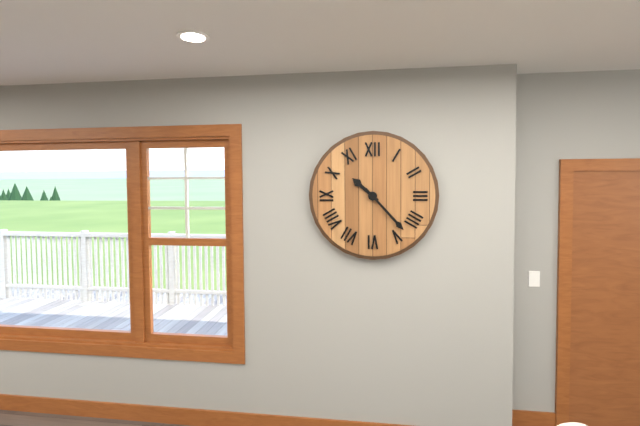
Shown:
10h23
